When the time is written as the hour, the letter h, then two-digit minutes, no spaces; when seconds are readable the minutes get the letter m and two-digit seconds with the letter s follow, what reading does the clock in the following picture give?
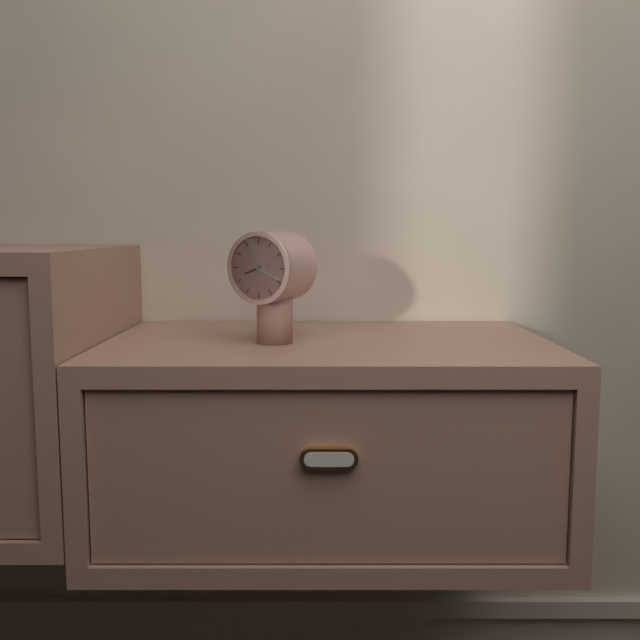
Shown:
8h19
